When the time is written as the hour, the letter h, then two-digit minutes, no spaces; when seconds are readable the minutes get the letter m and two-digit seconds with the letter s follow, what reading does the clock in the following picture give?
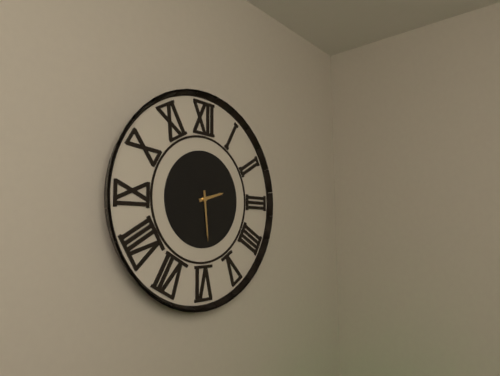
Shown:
2h29
